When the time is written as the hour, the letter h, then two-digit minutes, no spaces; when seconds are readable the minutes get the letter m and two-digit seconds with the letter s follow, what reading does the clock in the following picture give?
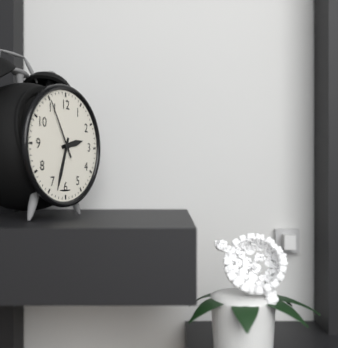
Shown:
2h33m55s
